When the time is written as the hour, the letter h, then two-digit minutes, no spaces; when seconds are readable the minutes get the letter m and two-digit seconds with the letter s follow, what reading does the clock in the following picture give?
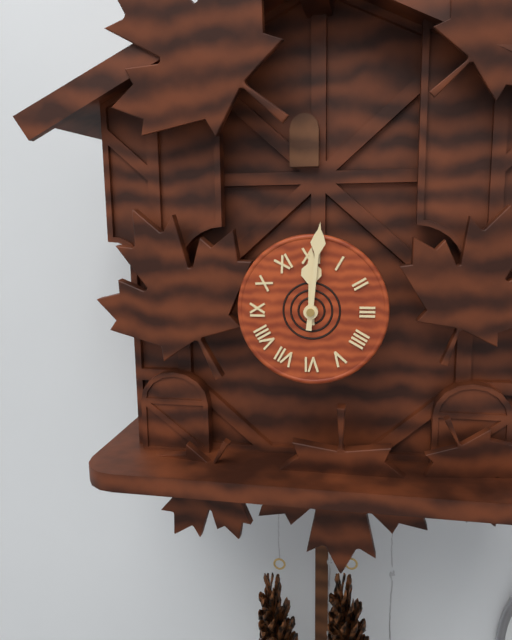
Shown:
12h01
